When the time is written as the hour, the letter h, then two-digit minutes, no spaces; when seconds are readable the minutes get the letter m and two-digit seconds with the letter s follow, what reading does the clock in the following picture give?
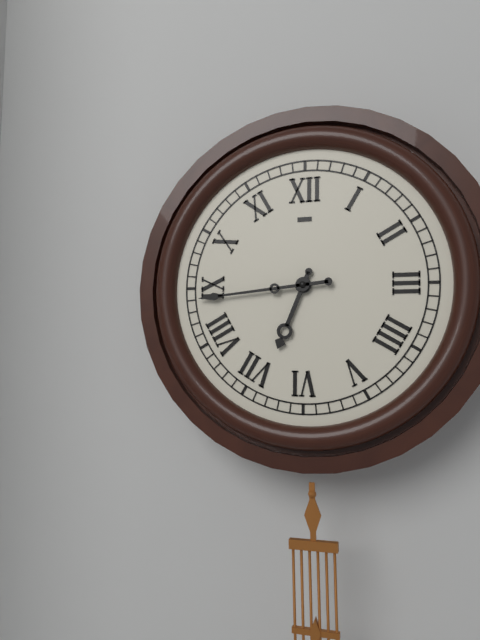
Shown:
6h44
